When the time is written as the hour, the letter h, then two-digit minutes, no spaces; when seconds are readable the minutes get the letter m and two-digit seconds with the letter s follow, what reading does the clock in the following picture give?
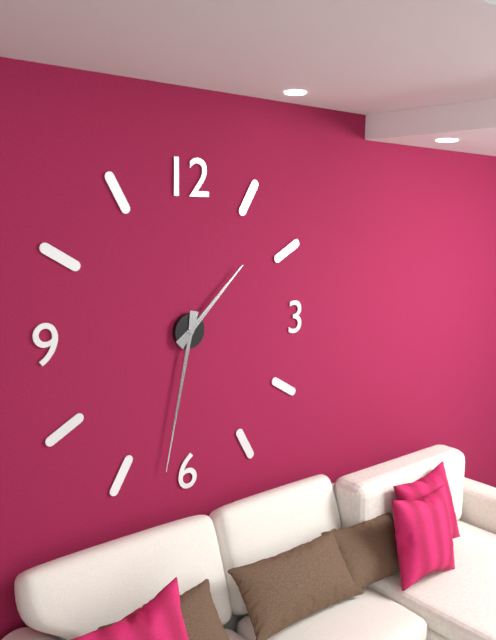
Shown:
1h32
